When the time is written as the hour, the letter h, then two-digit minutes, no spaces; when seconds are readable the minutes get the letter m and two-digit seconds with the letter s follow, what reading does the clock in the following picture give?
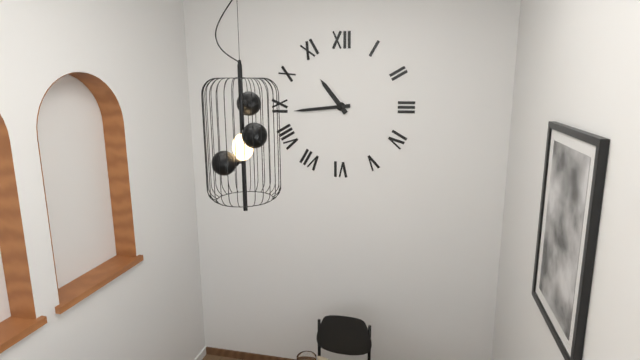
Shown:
10h44
